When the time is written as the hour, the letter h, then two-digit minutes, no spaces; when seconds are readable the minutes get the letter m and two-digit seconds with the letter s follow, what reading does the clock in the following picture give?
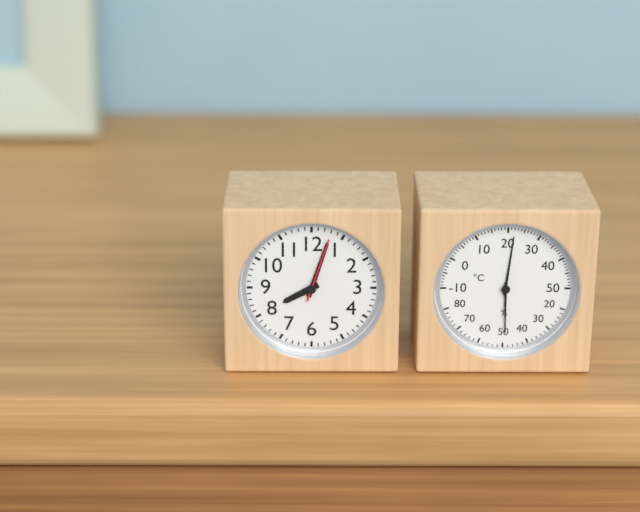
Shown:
8h03m03s
